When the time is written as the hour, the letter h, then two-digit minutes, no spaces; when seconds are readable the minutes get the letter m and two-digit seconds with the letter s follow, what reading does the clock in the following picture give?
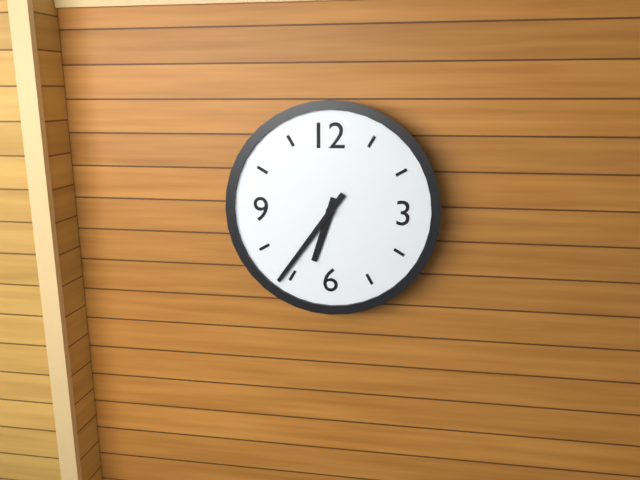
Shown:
6h36
